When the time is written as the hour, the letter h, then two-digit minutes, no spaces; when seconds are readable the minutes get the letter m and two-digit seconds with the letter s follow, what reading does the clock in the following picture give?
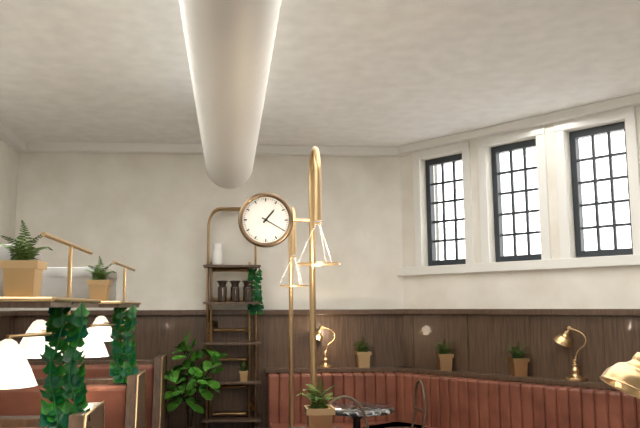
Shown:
1h20
